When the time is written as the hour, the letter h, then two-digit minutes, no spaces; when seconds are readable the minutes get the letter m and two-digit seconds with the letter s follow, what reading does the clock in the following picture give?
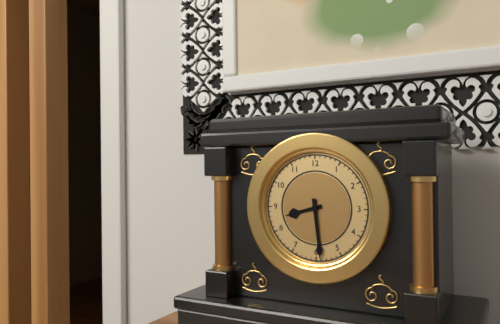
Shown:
8h29
